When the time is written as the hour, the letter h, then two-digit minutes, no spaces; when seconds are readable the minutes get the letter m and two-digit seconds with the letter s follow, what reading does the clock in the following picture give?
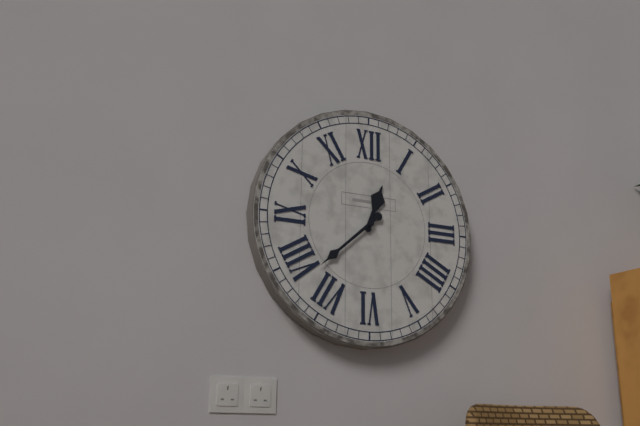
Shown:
12h38
